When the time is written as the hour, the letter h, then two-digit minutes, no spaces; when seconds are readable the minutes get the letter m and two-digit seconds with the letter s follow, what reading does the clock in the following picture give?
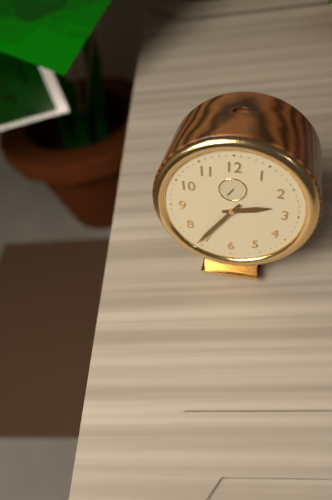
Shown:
2h36
